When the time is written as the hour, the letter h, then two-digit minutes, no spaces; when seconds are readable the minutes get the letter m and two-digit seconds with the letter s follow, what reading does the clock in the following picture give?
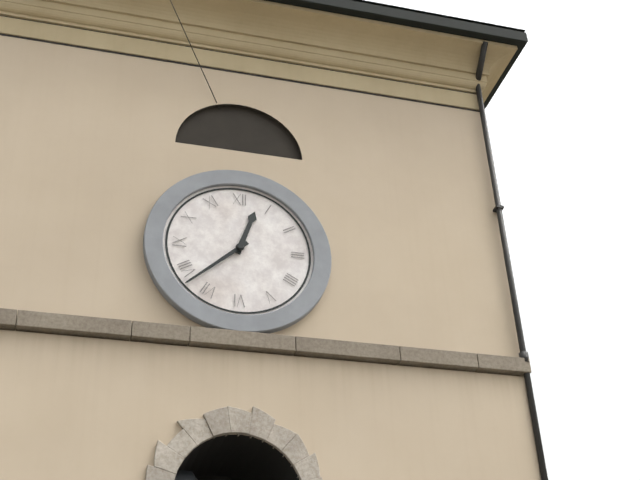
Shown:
12h38
